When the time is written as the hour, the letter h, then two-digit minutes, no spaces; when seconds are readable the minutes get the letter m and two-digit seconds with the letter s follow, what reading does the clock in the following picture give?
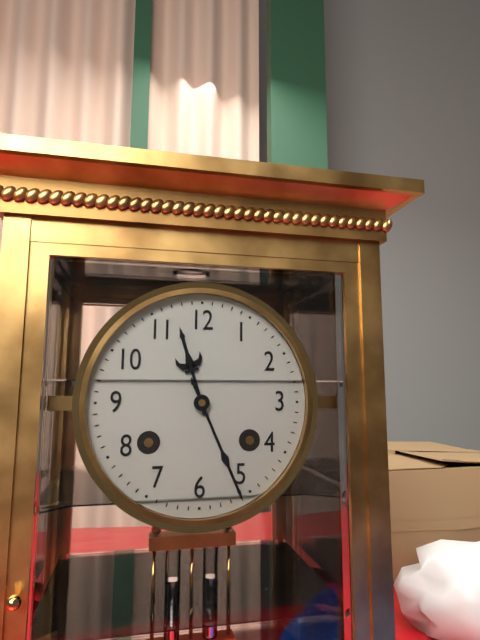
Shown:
11h26
